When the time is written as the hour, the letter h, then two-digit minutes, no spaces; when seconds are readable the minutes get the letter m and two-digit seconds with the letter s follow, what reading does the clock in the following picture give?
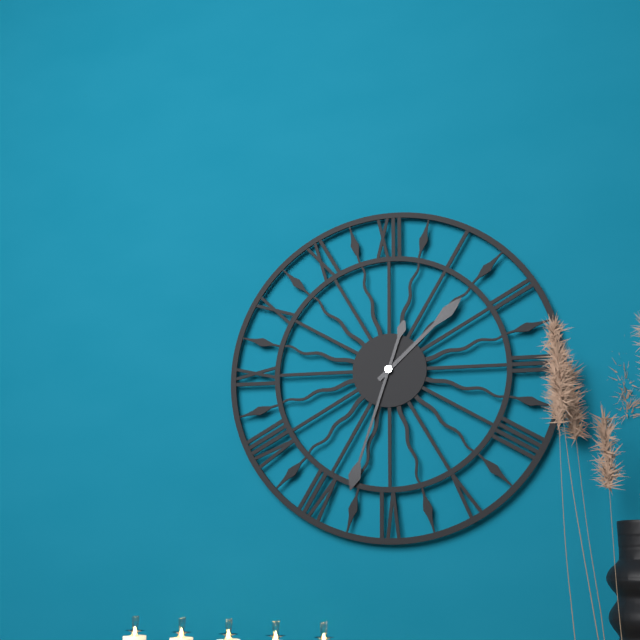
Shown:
1h33
